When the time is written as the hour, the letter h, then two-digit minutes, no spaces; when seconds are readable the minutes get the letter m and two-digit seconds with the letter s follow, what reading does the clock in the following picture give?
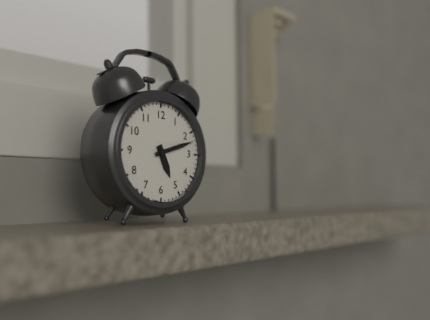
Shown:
5h12
